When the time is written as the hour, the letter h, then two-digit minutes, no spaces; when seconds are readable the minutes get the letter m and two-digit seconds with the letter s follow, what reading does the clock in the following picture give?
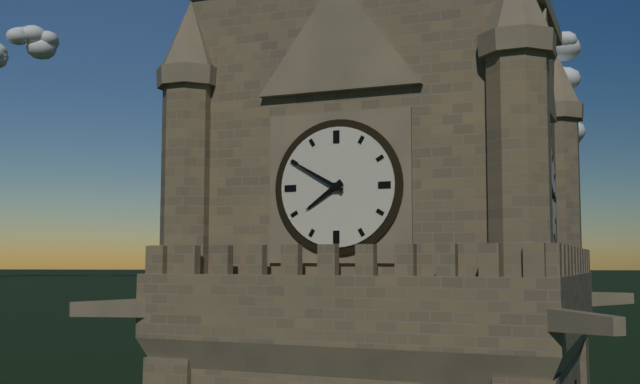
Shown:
7h50
